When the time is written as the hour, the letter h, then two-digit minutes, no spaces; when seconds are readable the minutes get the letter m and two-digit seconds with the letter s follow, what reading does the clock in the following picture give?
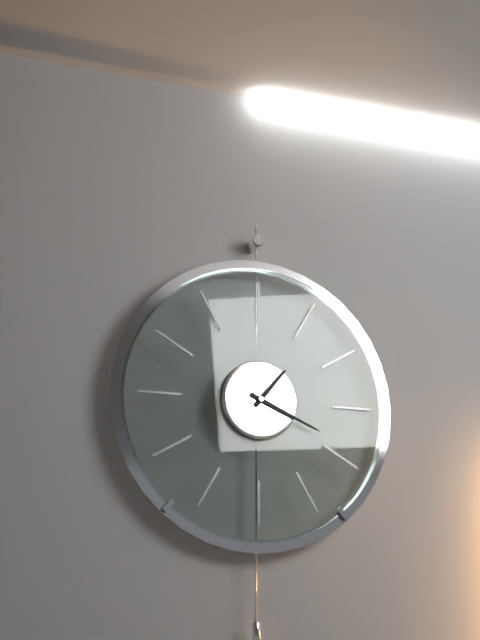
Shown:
1h19
